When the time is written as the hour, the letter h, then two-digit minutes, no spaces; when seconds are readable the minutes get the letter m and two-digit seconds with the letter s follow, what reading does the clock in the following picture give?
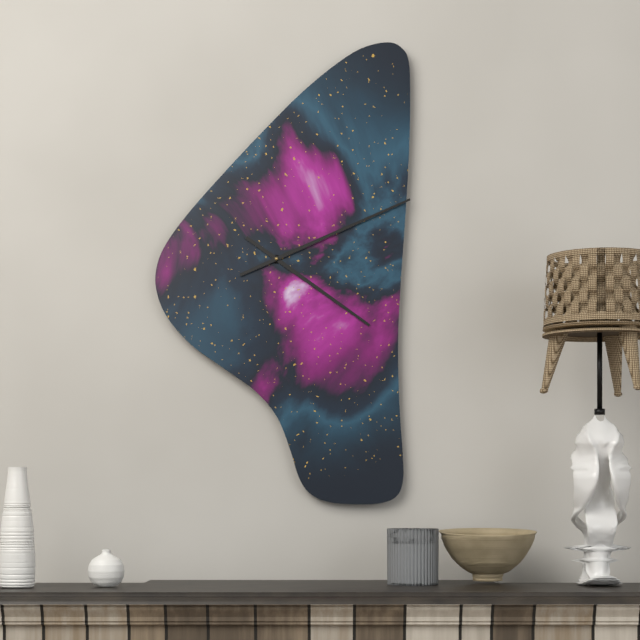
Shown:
4h11
